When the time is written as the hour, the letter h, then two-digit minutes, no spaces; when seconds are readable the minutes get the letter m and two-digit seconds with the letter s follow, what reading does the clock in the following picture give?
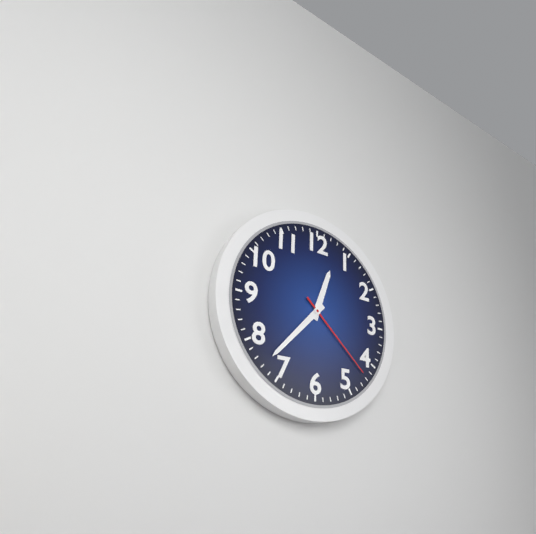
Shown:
12h37m22s
